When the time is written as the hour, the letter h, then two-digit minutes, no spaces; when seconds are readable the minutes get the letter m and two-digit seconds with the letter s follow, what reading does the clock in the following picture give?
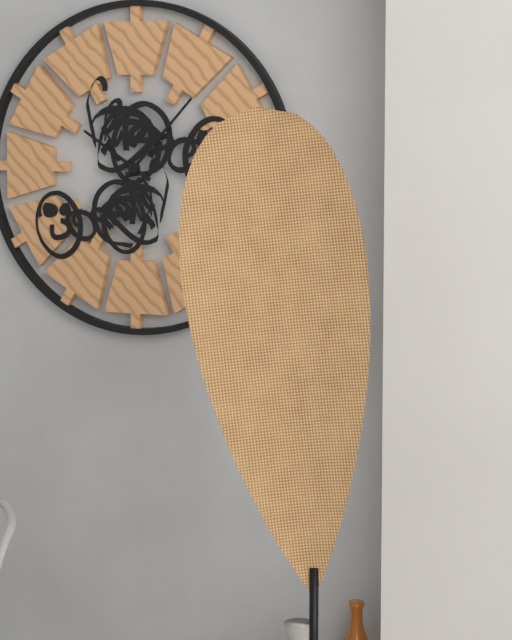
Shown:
10h07
